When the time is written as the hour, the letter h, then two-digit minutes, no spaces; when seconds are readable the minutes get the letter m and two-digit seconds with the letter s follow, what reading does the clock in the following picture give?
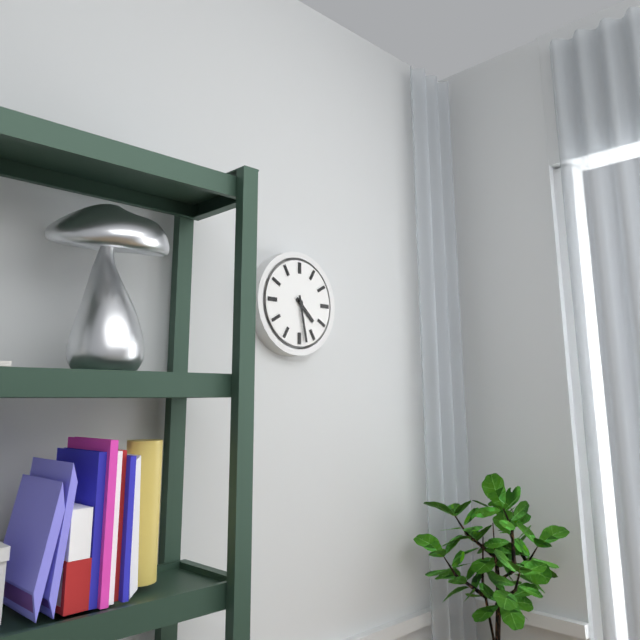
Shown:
4h28
